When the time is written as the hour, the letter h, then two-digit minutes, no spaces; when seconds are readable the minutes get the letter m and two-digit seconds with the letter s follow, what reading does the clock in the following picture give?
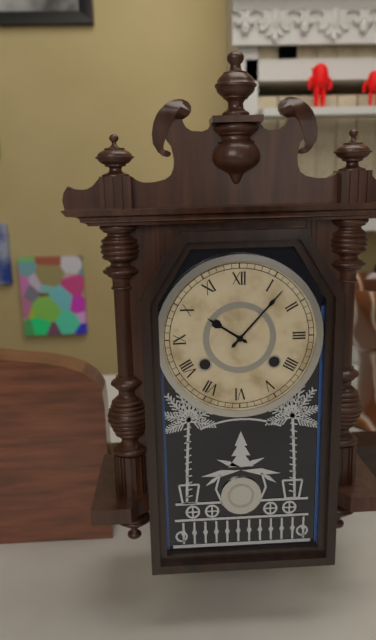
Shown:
10h07
